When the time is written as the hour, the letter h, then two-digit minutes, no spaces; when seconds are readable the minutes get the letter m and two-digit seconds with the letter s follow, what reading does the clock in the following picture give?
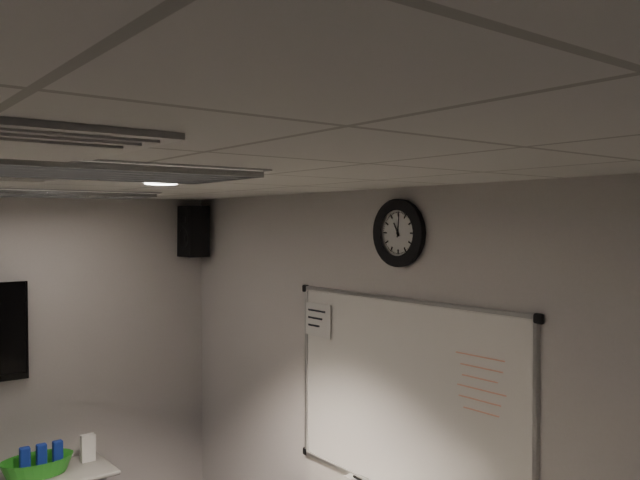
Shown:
11h01
